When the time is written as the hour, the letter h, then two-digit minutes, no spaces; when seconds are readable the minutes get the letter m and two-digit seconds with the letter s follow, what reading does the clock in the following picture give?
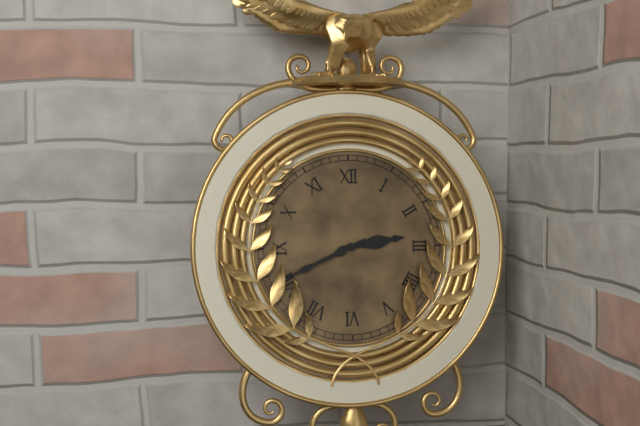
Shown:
2h41
